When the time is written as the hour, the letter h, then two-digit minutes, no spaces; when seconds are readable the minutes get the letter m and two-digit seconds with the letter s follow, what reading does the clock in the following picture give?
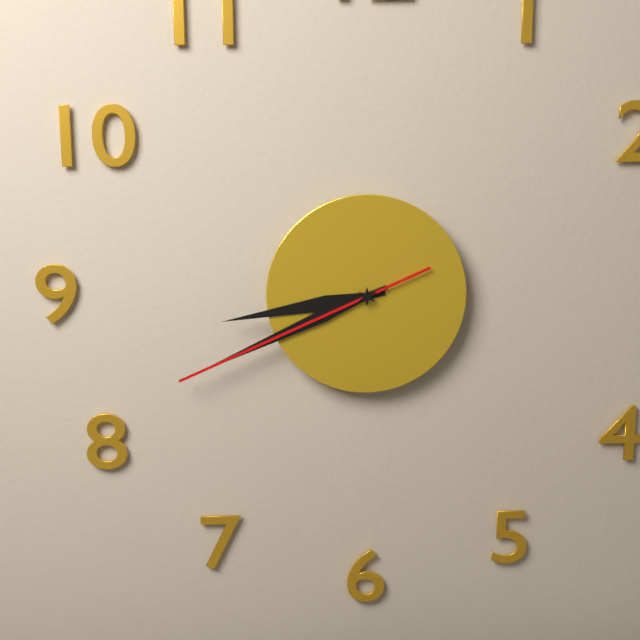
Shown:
8h41m41s
